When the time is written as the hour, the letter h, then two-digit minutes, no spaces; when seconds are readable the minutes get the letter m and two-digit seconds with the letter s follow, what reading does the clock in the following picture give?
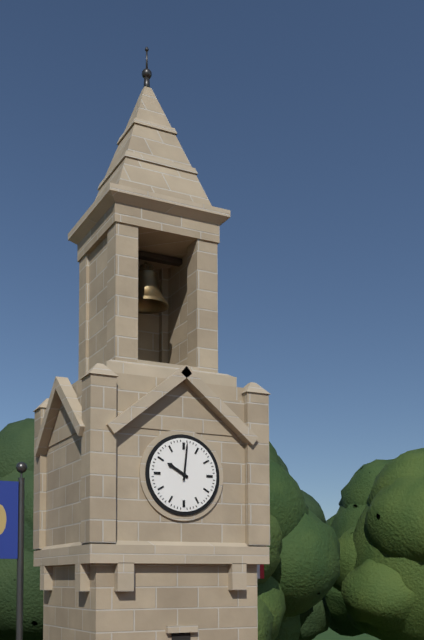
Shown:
10h01
